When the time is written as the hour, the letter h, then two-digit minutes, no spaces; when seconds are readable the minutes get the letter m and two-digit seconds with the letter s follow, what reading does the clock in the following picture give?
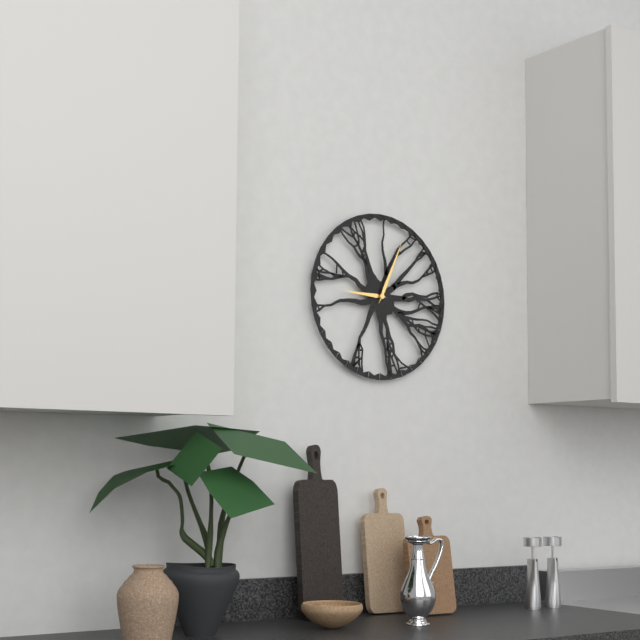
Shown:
9h04
